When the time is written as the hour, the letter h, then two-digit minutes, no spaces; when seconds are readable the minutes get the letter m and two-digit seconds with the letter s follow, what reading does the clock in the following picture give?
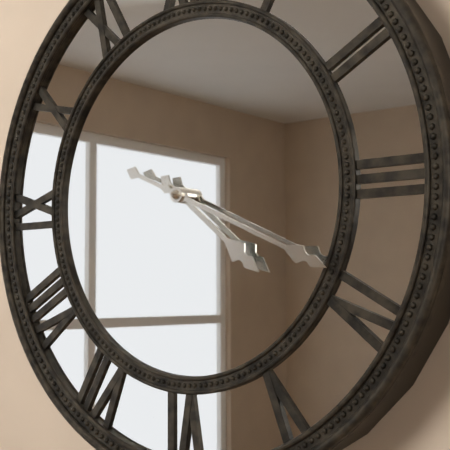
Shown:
4h19
